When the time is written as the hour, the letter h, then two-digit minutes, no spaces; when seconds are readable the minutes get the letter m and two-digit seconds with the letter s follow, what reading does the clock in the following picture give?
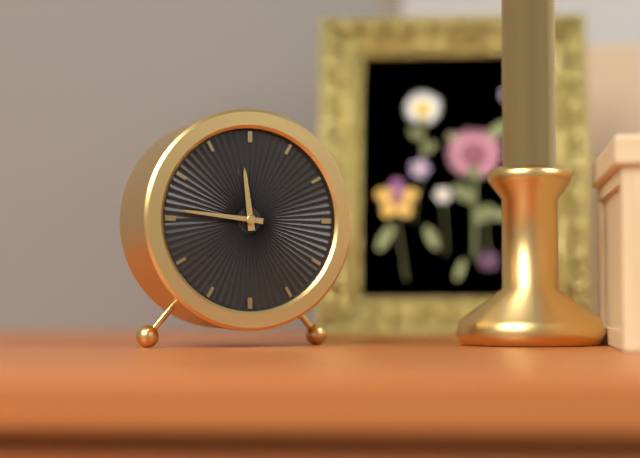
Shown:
11h46
